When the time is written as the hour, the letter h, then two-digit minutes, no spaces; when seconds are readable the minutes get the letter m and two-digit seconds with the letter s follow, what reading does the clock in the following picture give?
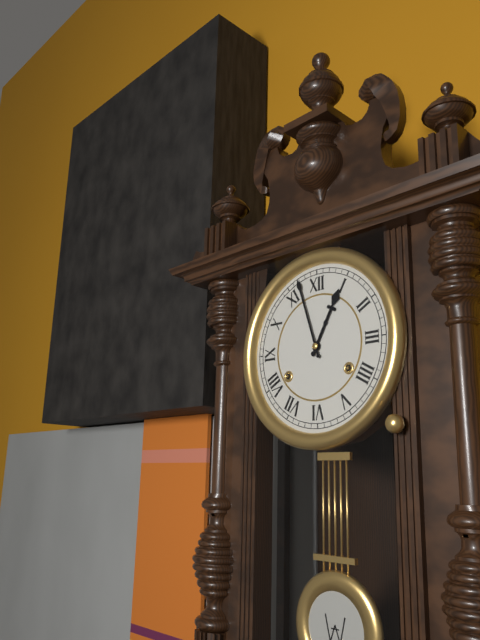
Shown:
12h57
